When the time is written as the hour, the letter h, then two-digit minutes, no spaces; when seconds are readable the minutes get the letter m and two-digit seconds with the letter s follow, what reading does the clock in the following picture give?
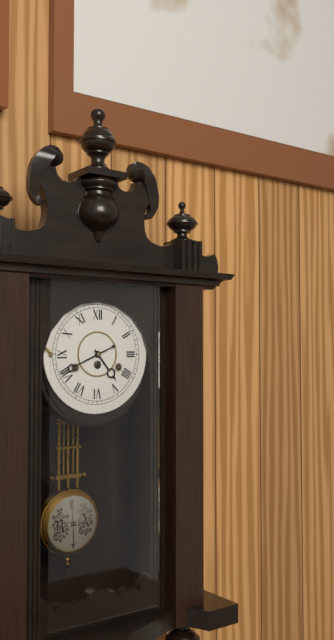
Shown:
4h41
